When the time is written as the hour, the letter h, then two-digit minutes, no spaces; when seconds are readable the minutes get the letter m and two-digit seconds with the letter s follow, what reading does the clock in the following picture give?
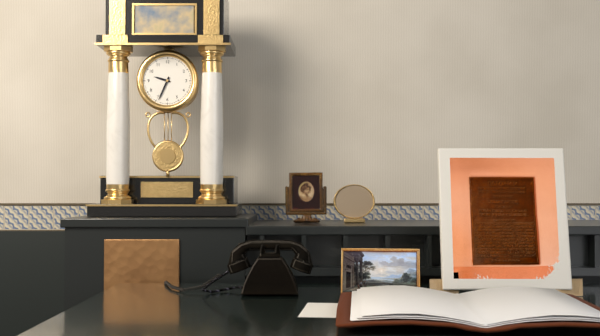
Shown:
9h34
